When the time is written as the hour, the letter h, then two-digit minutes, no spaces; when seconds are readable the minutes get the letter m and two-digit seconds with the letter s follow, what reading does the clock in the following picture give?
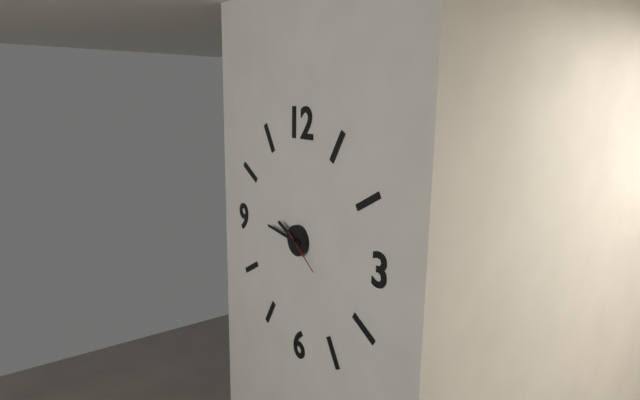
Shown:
9h46
